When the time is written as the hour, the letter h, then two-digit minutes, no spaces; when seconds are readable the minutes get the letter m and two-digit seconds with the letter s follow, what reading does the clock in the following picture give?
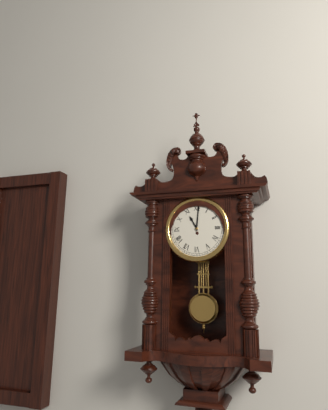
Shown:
11h01
